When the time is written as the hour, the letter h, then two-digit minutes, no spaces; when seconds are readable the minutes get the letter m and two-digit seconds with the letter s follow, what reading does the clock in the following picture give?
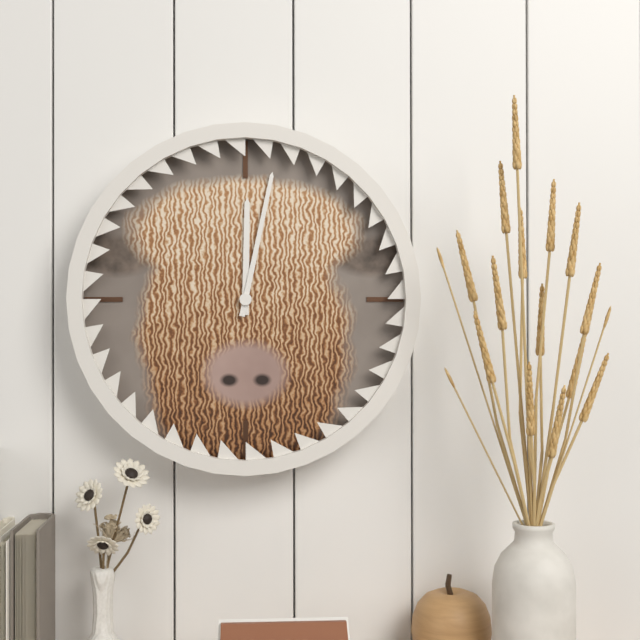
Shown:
12h02
